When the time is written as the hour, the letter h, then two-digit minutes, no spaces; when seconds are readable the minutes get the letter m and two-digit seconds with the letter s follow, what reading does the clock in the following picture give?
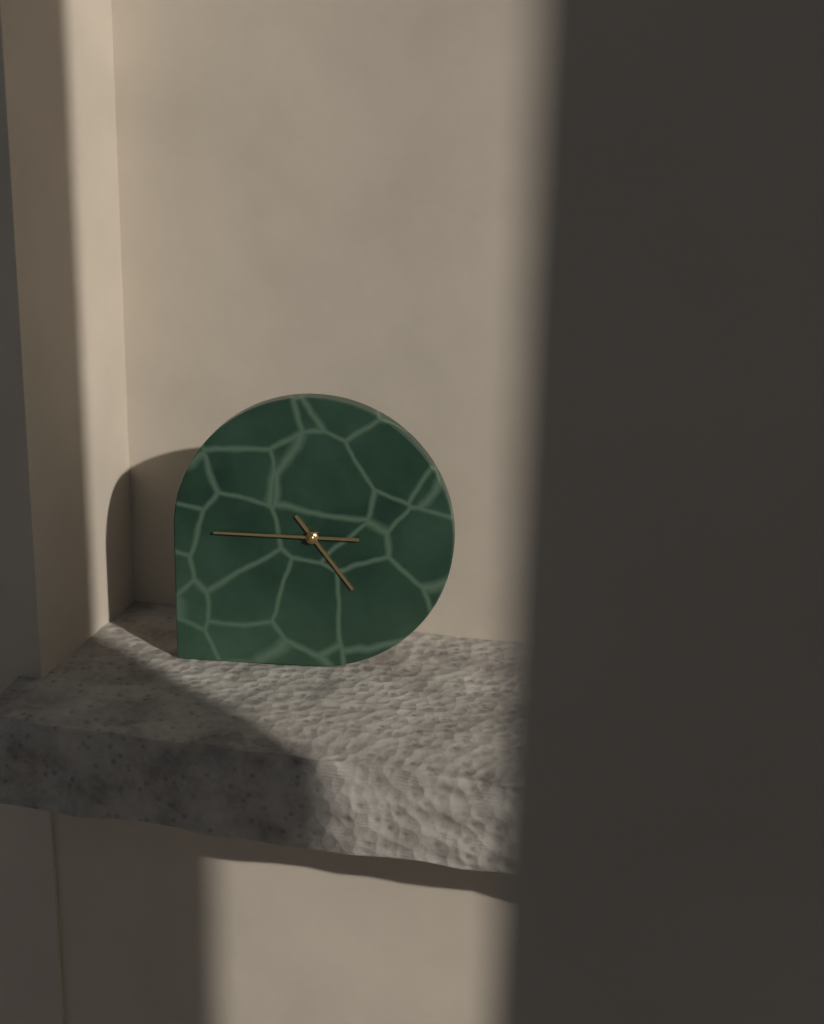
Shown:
4h45
